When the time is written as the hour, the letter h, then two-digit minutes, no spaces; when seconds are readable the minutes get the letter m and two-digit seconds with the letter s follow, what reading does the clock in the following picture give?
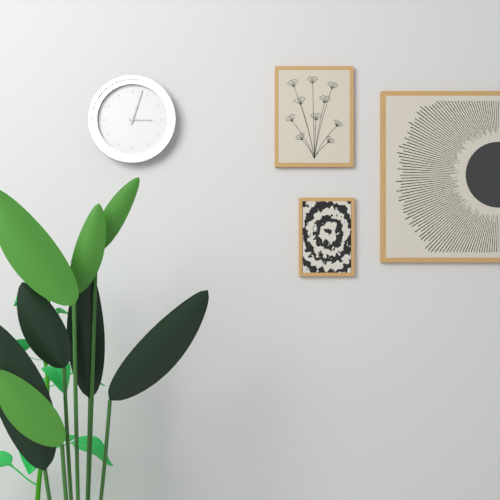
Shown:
3h03
